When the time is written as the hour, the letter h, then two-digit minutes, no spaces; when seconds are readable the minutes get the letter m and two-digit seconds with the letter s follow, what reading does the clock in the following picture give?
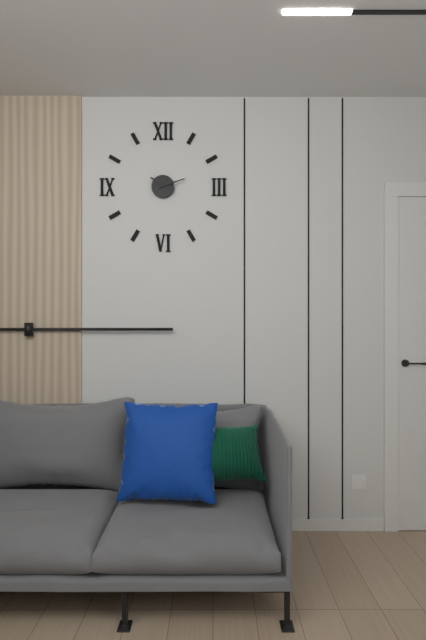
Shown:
10h12
